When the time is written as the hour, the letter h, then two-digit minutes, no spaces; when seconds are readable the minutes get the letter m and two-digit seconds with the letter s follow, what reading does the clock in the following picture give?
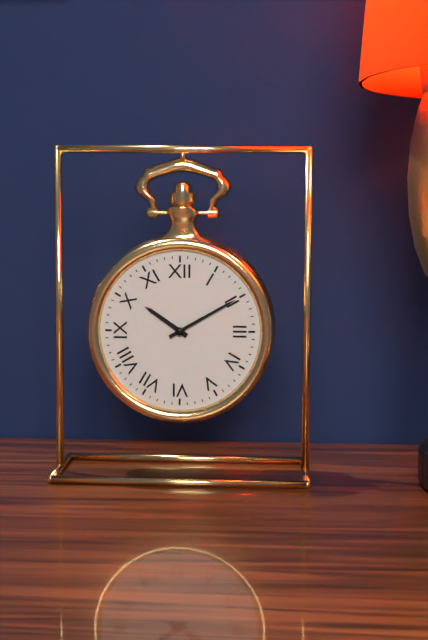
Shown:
10h10
